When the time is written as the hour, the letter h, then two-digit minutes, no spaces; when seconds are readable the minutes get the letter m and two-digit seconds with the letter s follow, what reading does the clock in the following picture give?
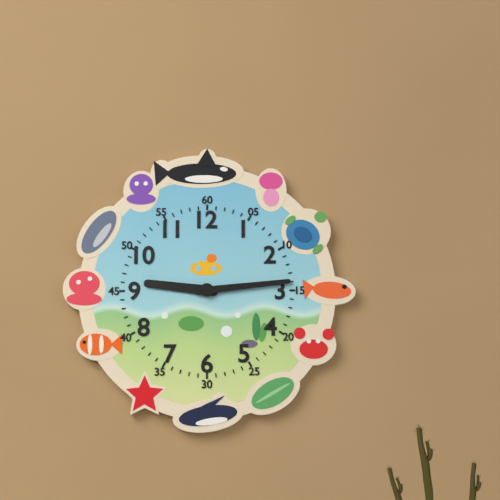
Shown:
9h14
